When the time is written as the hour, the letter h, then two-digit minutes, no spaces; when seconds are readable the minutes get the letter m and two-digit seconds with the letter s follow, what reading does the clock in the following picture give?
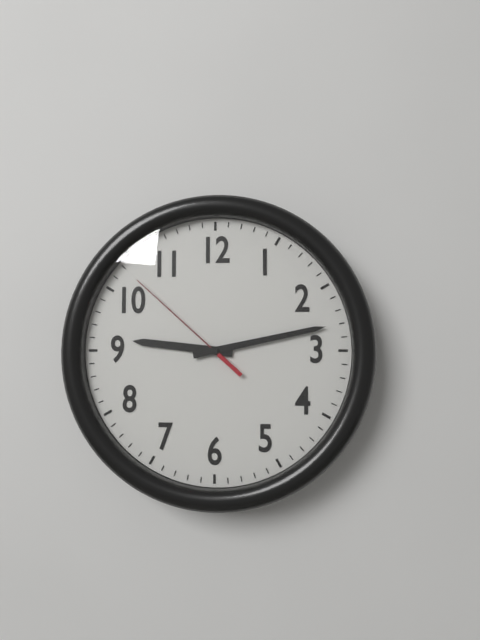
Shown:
9h13m52s
